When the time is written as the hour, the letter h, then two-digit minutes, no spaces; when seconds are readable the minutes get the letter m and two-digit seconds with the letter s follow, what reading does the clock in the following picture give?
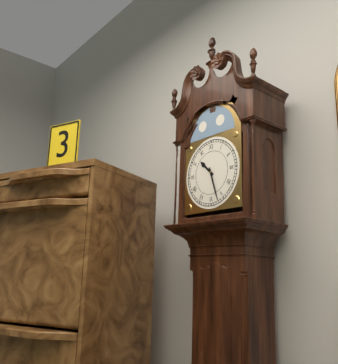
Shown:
10h27
